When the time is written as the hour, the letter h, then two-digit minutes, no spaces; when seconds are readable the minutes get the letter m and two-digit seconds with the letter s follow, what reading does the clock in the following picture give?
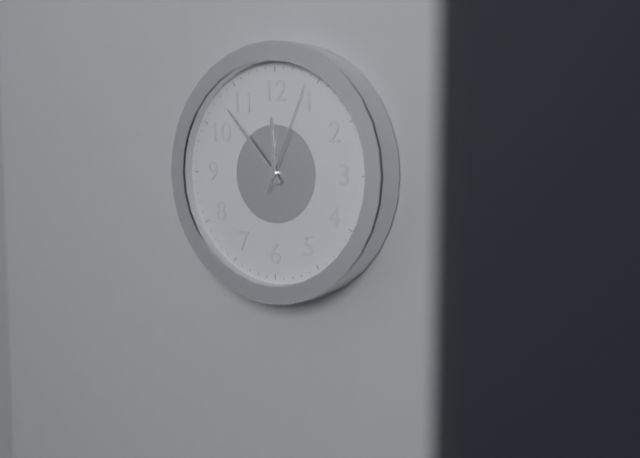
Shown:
11h53m04s
